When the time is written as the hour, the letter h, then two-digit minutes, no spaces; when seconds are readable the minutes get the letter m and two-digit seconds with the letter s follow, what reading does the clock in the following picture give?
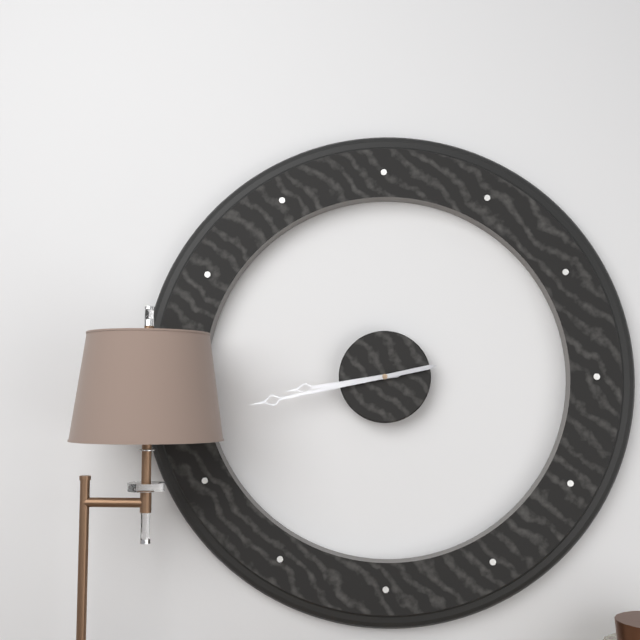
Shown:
8h43
